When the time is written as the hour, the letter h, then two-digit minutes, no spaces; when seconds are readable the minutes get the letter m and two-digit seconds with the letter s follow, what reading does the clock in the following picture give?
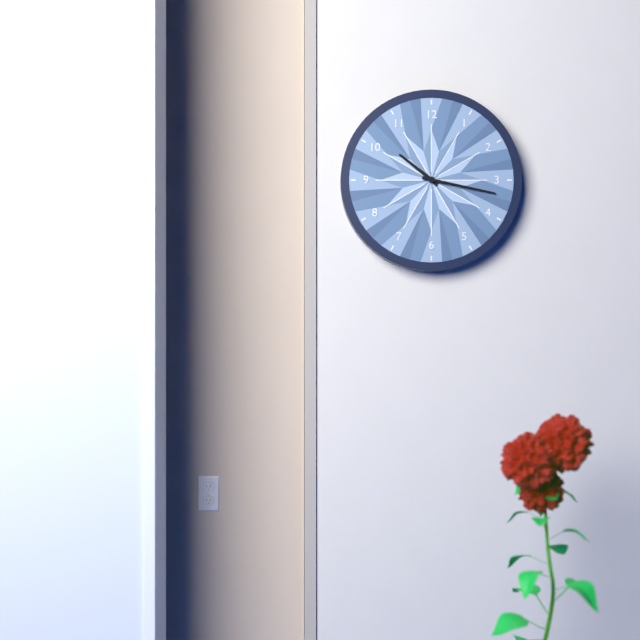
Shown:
10h17
